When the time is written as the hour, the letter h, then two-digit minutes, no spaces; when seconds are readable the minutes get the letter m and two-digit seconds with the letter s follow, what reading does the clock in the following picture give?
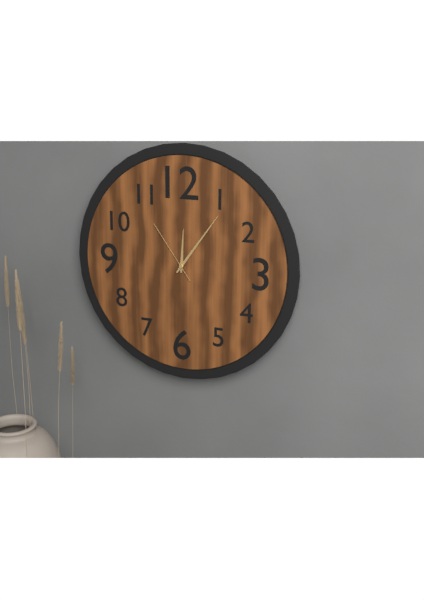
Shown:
12h06m54s
